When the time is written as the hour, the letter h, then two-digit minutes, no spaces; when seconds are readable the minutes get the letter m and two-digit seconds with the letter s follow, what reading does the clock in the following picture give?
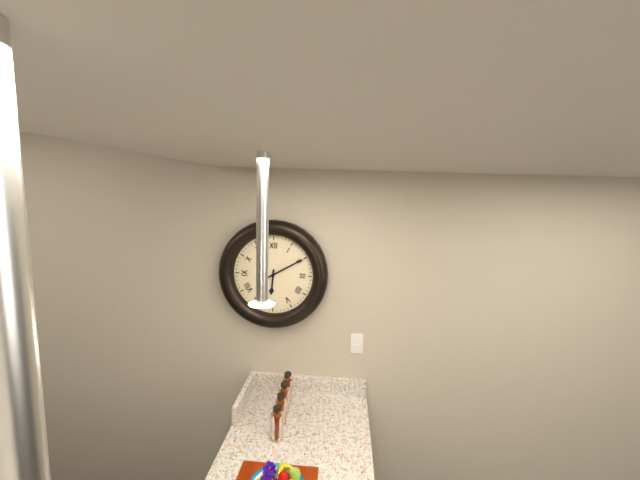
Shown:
6h10
